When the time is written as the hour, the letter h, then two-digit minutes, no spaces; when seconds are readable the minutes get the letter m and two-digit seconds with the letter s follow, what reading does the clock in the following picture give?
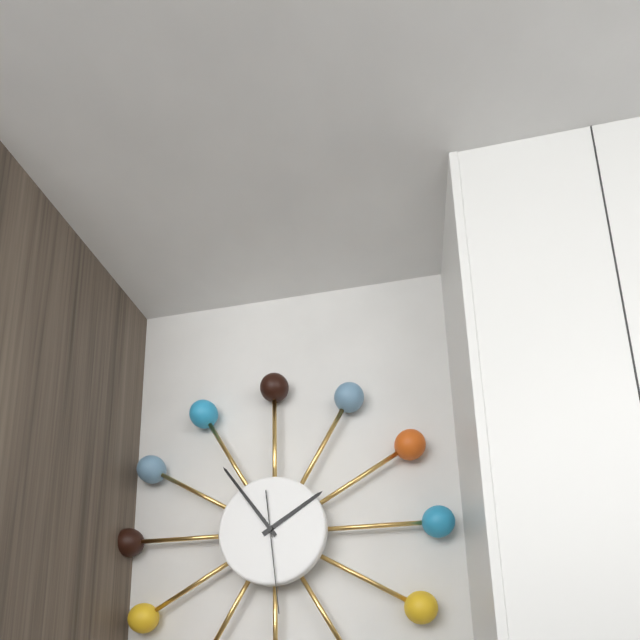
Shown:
1h54m29s
